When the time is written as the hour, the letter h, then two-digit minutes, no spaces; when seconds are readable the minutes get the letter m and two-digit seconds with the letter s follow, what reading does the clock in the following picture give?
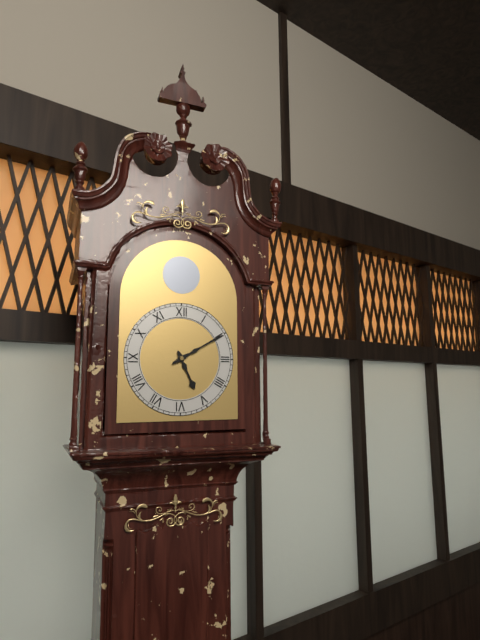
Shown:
5h10
